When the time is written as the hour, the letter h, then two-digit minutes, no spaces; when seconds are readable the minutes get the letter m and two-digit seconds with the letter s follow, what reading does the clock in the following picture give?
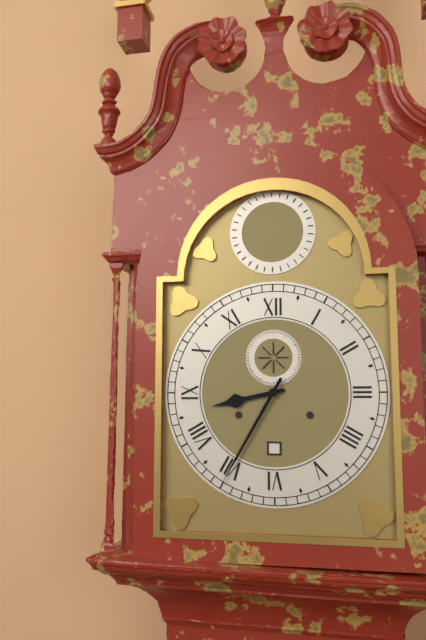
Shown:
8h35
